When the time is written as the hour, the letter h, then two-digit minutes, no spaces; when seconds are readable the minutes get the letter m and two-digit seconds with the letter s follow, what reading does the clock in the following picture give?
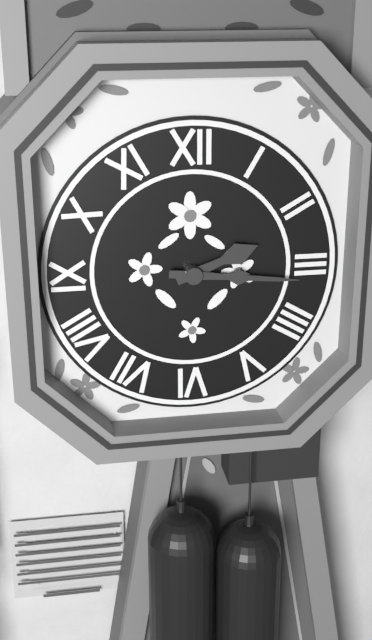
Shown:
2h16
